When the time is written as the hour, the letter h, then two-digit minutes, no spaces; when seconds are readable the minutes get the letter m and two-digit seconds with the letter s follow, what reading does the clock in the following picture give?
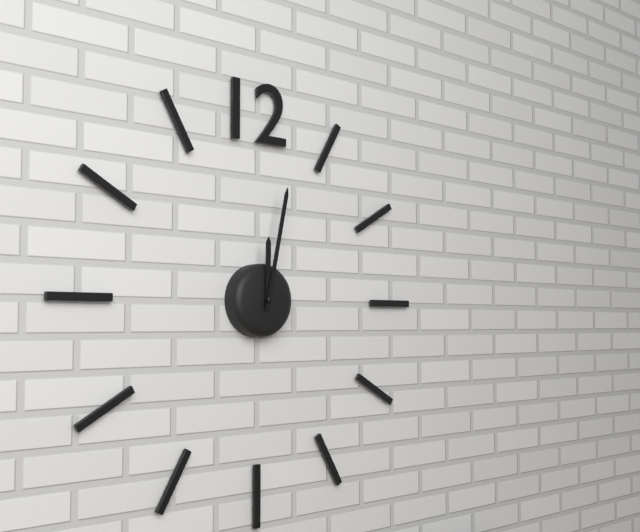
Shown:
12h02
